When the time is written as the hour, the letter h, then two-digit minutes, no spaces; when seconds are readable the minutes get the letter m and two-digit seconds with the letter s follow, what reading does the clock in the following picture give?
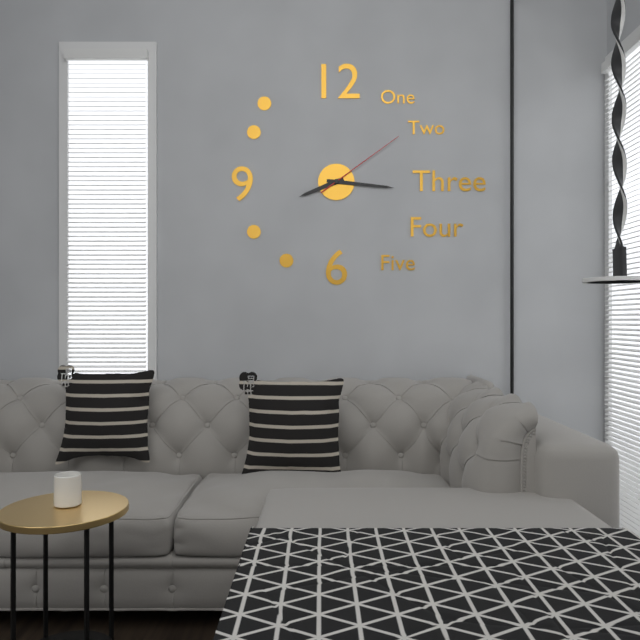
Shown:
8h16m09s
